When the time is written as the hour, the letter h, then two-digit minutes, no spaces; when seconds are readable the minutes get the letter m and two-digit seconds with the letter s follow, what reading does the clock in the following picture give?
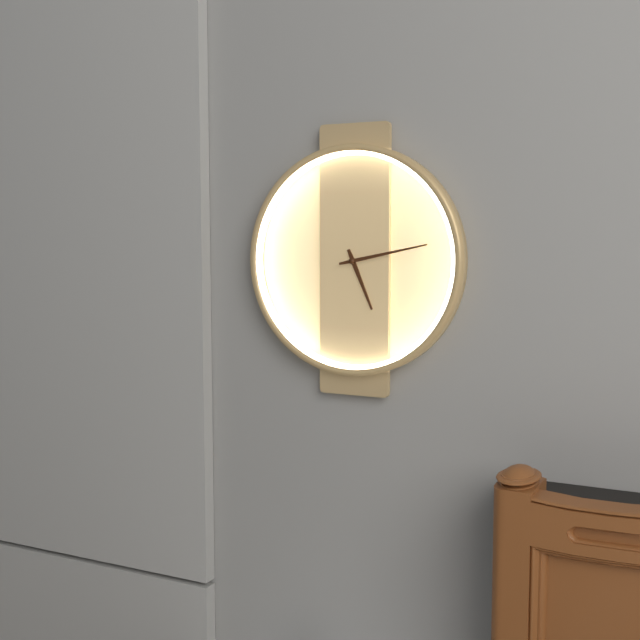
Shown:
5h13
